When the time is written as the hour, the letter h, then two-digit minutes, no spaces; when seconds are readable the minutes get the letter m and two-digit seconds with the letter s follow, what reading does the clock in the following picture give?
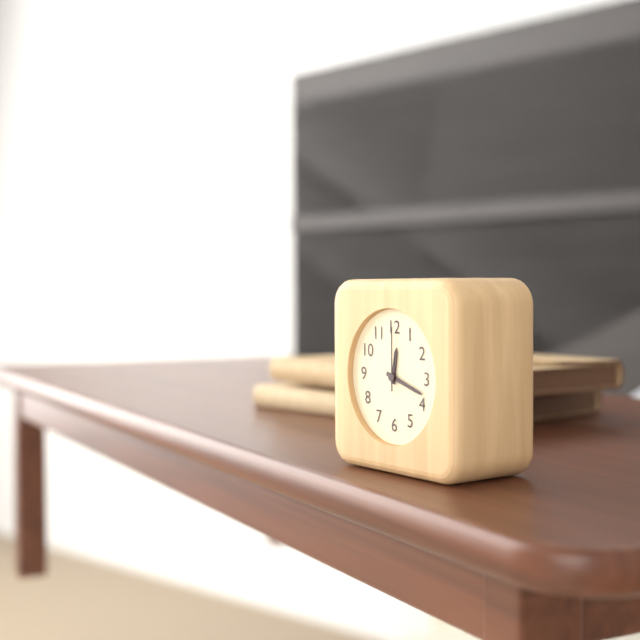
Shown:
12h18m00s
